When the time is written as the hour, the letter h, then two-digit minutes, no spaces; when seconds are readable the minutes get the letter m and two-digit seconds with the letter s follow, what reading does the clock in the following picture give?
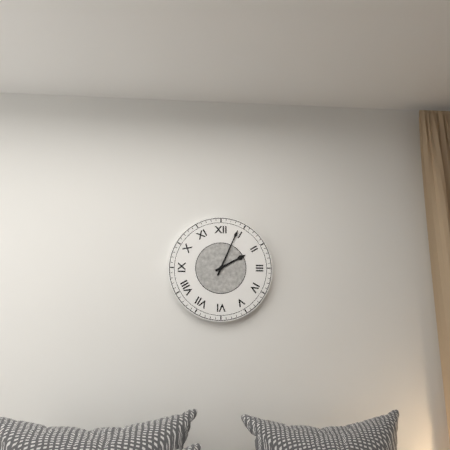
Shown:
2h04
